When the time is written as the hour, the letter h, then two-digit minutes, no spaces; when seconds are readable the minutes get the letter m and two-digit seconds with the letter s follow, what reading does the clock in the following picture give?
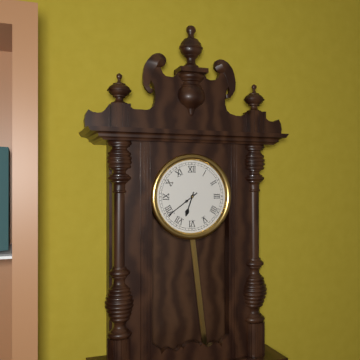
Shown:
6h39
